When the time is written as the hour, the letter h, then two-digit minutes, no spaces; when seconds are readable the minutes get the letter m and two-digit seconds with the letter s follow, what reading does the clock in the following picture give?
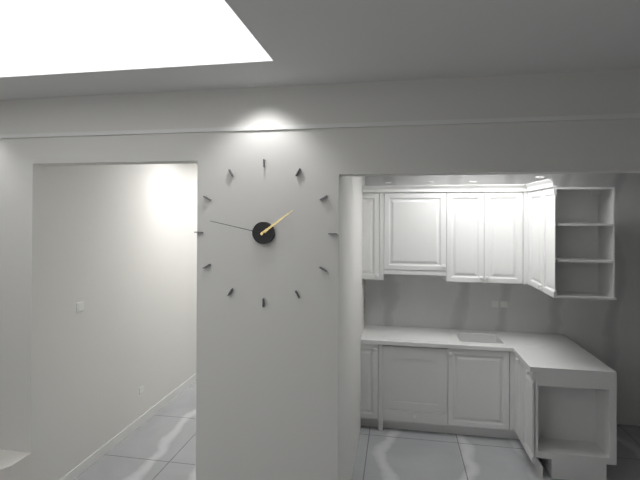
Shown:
1h47
